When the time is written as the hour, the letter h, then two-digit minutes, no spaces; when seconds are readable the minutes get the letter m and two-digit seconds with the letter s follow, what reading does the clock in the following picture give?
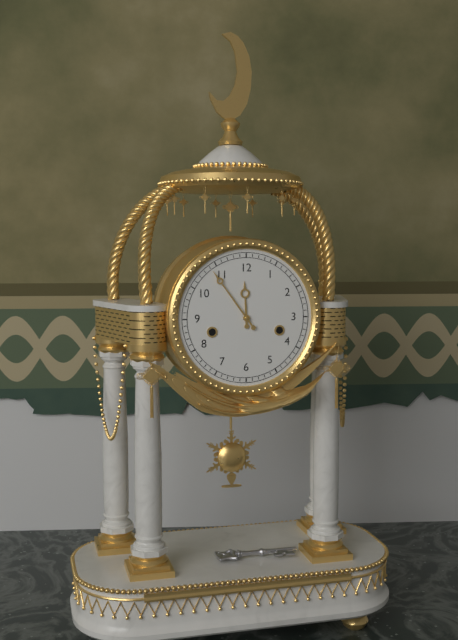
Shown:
11h54
